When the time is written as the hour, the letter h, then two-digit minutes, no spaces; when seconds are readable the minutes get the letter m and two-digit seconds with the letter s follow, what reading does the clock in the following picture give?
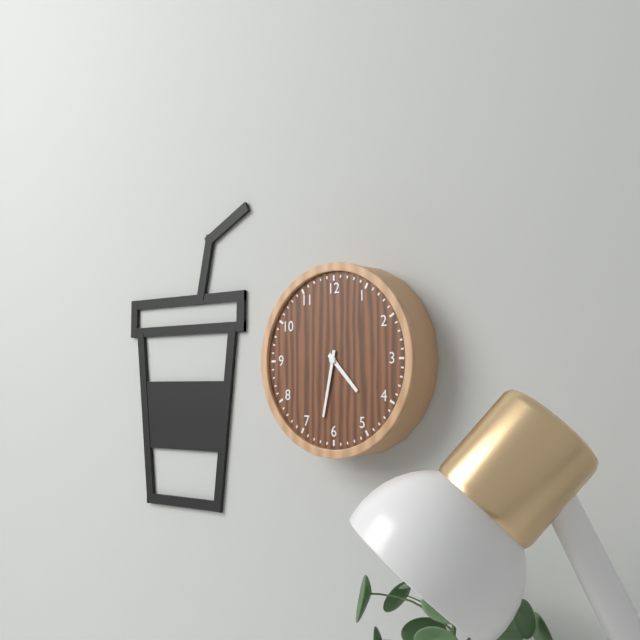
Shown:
4h32
